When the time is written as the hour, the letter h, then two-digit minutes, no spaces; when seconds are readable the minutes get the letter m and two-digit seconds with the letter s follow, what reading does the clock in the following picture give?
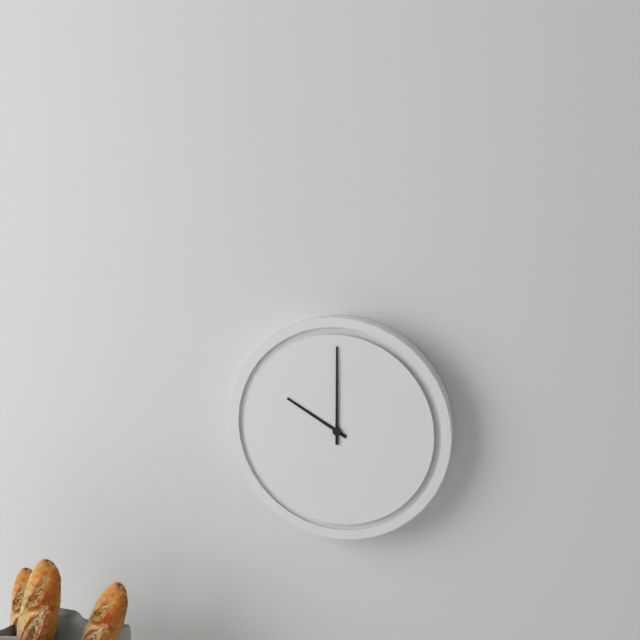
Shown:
10h00
